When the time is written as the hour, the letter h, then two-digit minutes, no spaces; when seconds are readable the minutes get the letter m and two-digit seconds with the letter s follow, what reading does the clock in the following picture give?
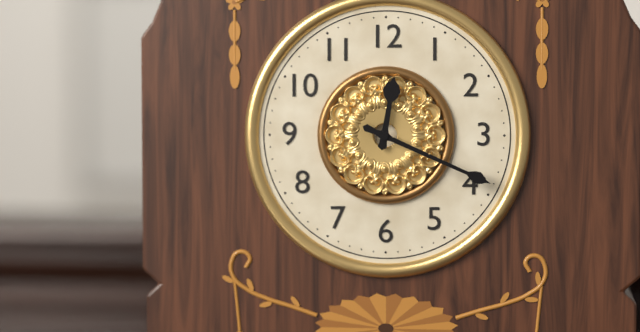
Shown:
12h19
